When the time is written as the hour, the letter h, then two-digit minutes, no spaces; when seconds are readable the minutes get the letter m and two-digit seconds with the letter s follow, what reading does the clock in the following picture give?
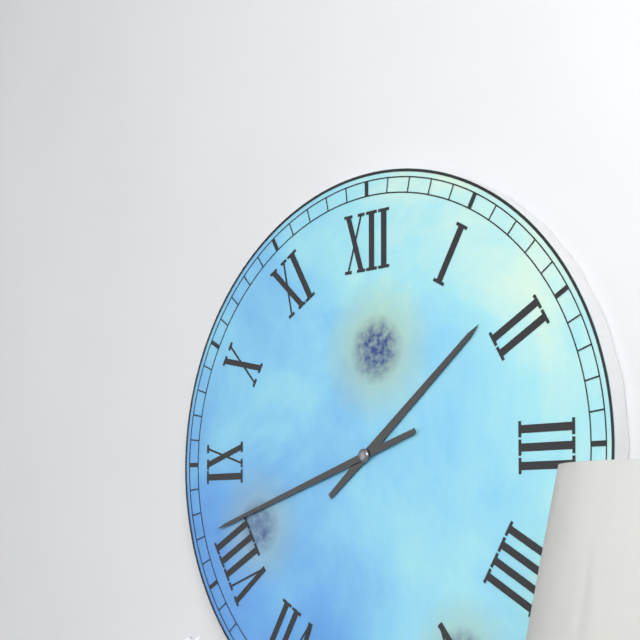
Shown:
1h42
